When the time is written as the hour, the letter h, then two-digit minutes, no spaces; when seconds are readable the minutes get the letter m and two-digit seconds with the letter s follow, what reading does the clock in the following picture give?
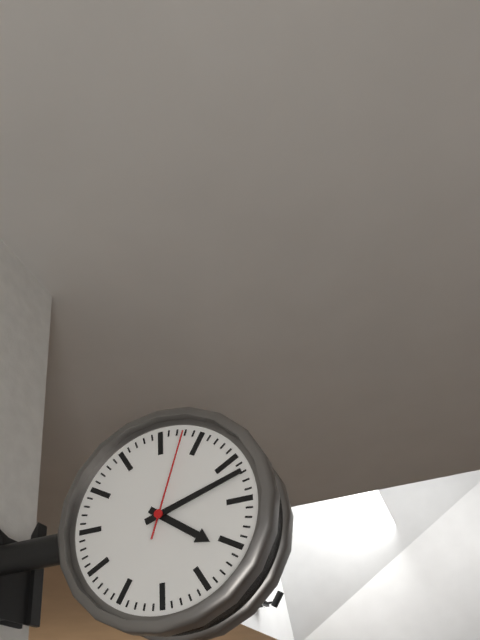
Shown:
4h12m03s
